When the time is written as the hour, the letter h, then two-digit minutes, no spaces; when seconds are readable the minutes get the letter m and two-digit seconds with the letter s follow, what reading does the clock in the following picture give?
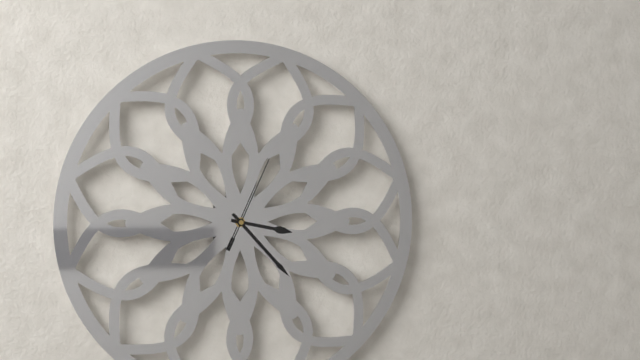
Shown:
3h23m04s
